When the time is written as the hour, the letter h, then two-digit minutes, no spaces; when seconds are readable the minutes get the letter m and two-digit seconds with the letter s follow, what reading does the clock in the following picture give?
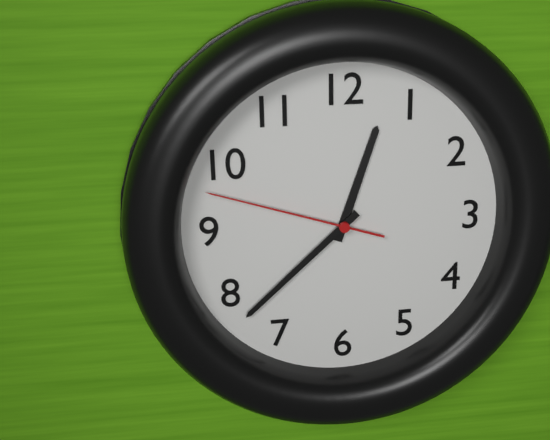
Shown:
12h38m48s
